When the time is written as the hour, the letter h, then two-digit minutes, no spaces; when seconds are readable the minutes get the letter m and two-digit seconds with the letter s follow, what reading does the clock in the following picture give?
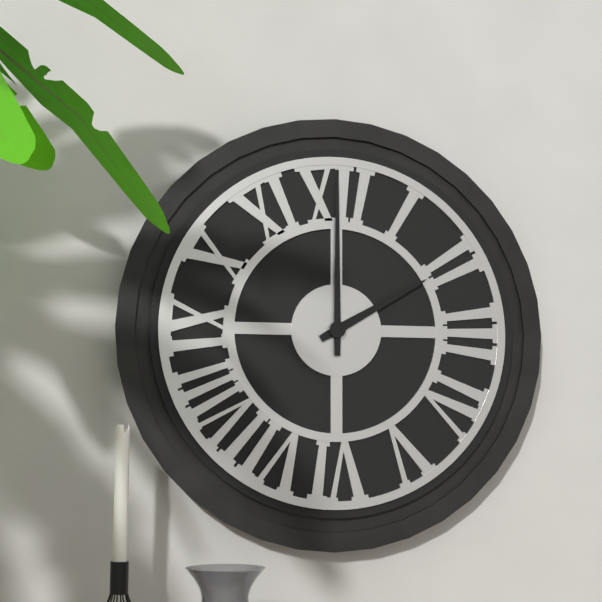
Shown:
2h00
